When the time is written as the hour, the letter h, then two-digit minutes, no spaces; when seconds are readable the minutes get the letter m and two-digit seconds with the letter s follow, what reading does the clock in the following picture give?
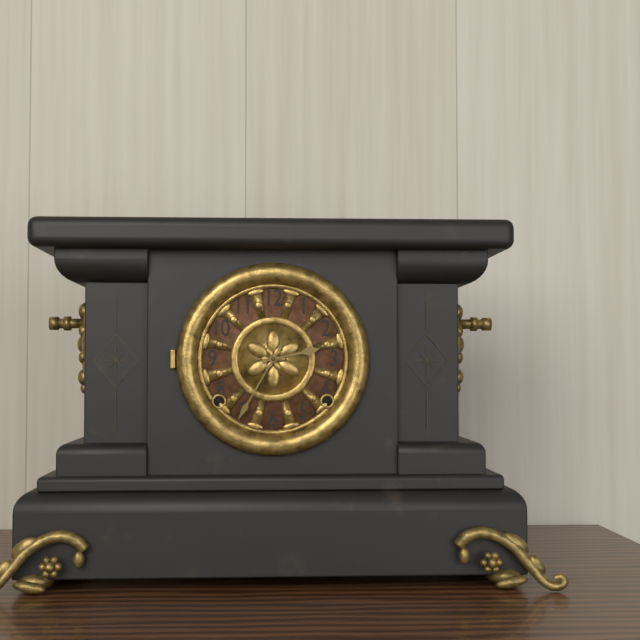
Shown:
2h35
